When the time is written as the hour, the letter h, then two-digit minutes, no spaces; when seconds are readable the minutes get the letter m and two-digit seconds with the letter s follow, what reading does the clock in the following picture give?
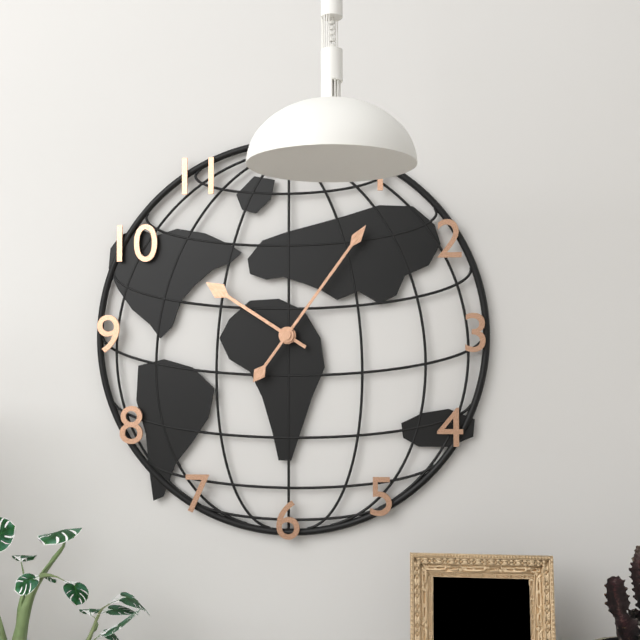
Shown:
10h06
